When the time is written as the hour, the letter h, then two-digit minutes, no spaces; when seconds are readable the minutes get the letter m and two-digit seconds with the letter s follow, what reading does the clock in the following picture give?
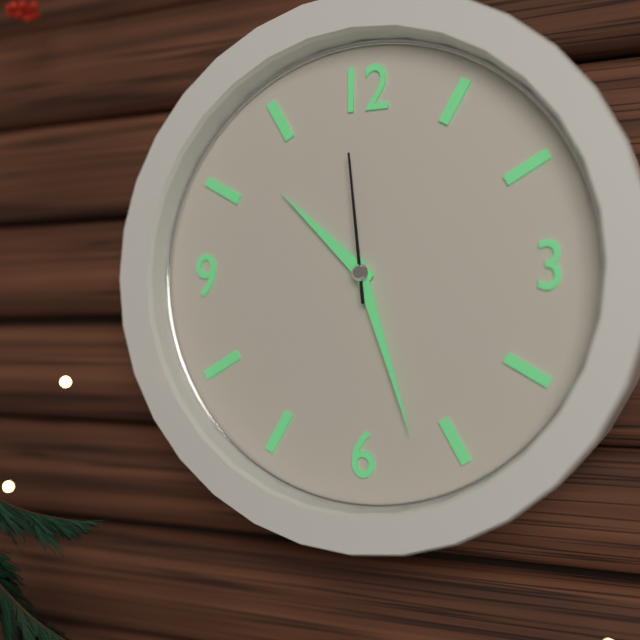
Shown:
10h27m59s
